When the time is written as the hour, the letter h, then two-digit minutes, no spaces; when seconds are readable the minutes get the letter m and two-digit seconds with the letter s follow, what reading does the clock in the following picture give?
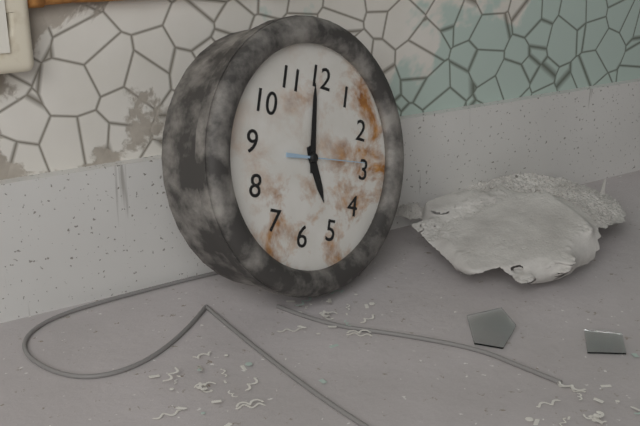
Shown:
4h59m14s
